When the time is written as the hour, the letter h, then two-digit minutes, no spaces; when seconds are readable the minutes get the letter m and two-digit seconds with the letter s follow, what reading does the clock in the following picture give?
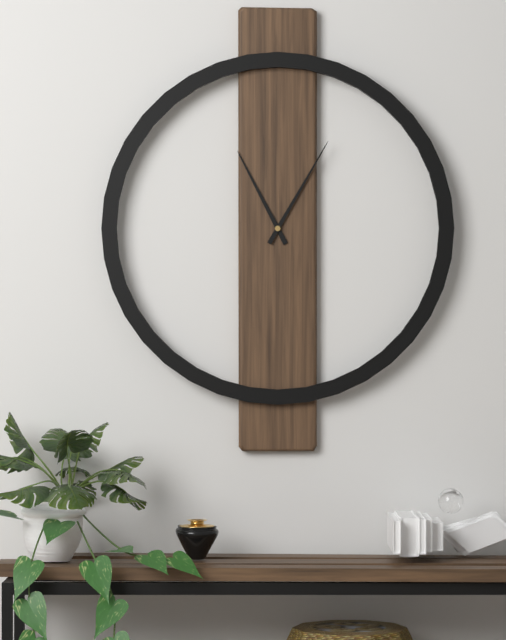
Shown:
11h05
